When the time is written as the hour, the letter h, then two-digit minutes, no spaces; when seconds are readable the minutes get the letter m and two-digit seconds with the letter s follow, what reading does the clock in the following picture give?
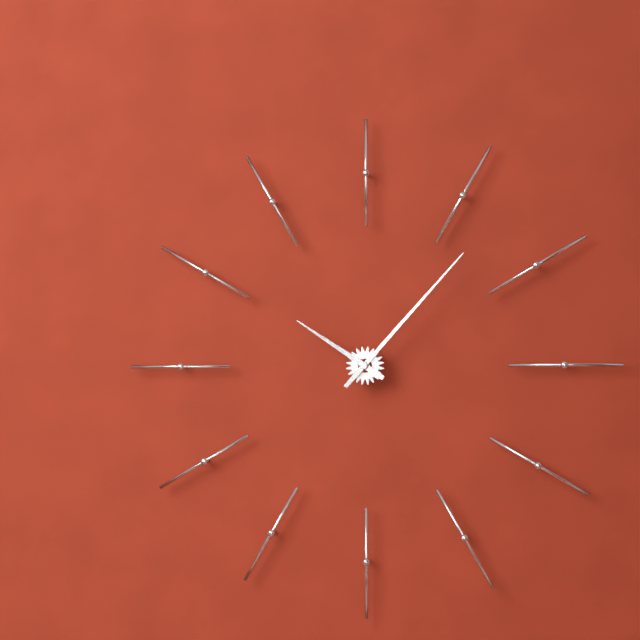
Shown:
10h07
